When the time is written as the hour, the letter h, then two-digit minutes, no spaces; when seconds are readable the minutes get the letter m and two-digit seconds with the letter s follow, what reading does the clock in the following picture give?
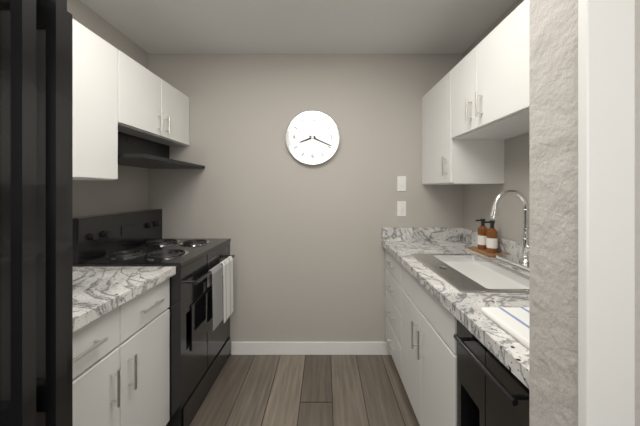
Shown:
8h19
